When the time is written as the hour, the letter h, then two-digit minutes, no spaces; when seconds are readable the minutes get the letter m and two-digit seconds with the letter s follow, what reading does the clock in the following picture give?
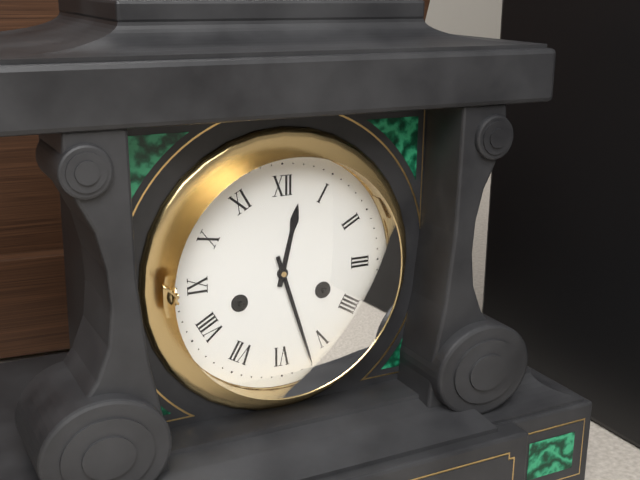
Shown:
12h27
